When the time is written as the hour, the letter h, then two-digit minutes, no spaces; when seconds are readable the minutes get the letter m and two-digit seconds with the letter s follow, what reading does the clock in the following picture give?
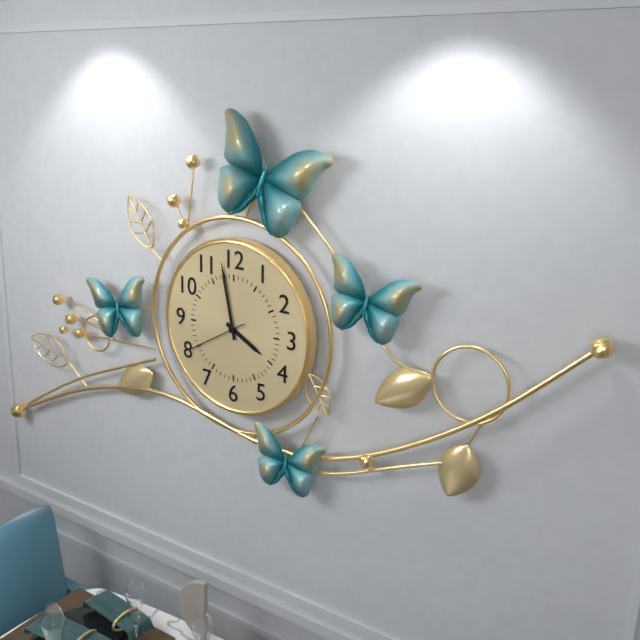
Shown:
3h58m40s
